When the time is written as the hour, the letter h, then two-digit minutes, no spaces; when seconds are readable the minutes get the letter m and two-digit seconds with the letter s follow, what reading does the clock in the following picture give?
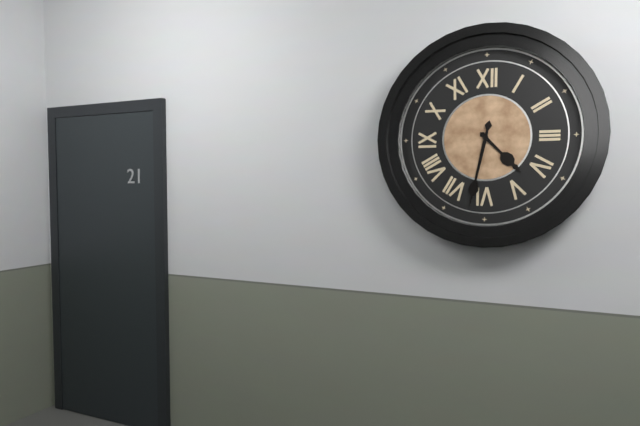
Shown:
4h32
